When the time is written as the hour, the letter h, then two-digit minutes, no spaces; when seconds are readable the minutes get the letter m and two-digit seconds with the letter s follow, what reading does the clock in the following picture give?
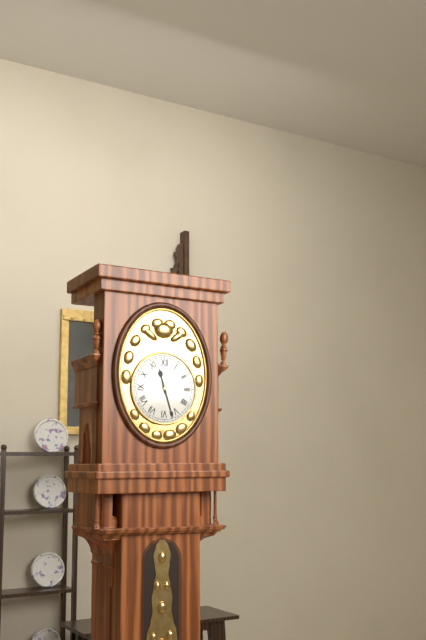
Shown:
11h27
